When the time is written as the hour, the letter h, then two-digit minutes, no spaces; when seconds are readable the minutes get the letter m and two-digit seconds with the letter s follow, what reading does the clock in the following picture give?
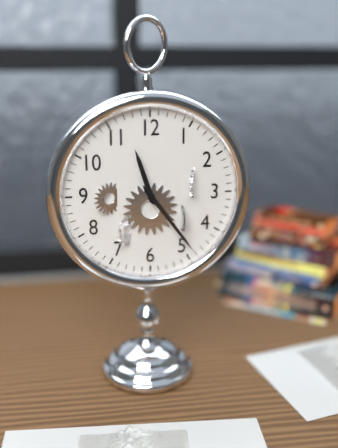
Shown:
11h24
